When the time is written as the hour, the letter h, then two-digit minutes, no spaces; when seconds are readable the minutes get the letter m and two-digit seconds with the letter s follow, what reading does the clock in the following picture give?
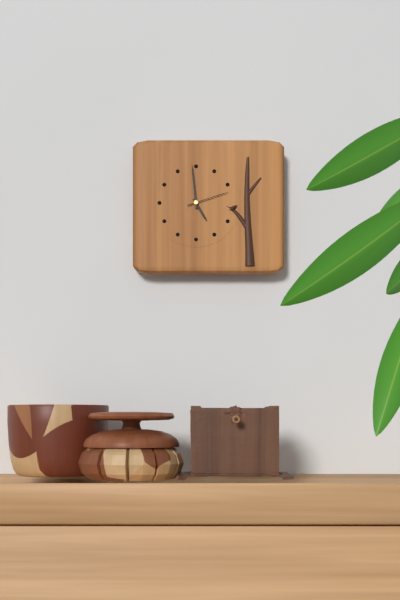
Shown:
4h59
